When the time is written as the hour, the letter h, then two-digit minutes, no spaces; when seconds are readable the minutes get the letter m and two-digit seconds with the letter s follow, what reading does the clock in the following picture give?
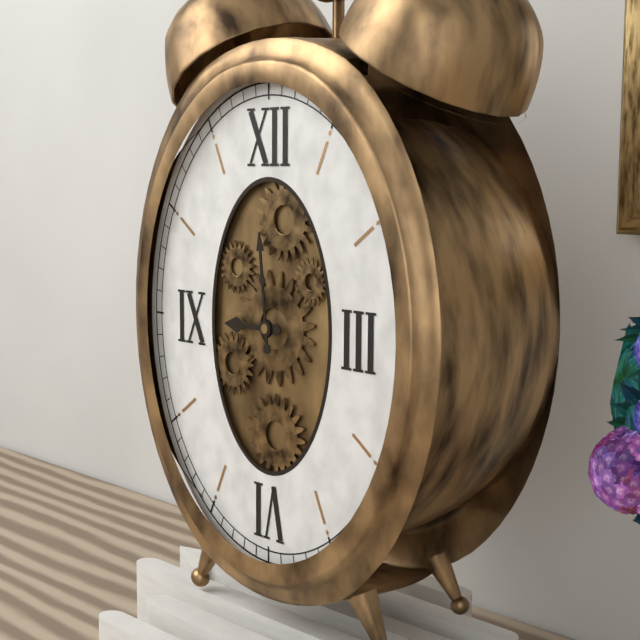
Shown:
8h59
